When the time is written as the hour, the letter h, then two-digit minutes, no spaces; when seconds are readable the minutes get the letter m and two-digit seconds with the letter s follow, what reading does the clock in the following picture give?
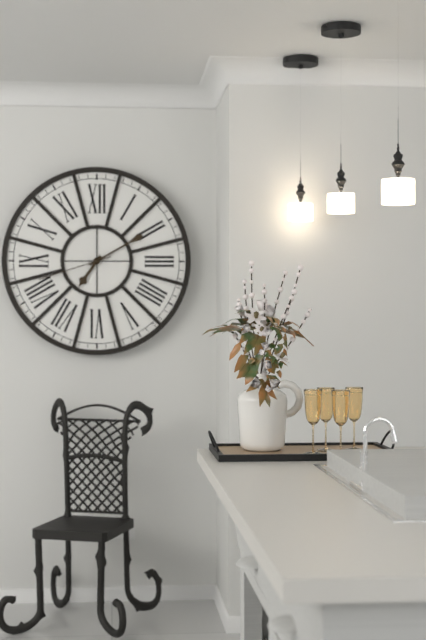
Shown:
7h10m42s
